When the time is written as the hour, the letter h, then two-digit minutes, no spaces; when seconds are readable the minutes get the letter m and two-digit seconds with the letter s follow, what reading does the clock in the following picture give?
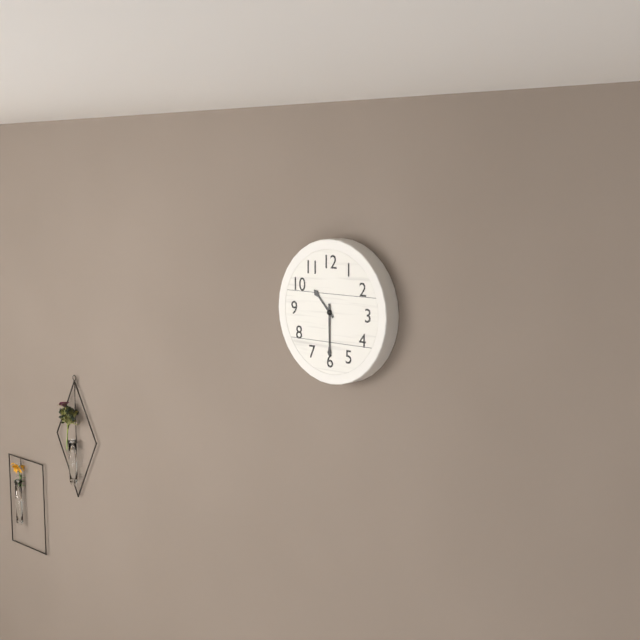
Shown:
10h30
